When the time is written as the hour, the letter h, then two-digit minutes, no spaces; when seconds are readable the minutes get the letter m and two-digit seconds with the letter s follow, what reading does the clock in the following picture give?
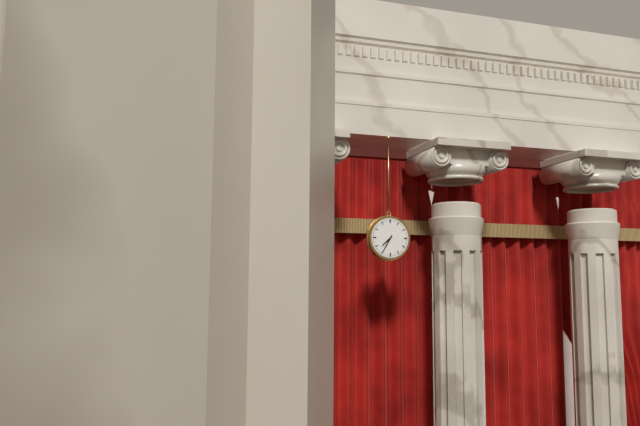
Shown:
7h35
